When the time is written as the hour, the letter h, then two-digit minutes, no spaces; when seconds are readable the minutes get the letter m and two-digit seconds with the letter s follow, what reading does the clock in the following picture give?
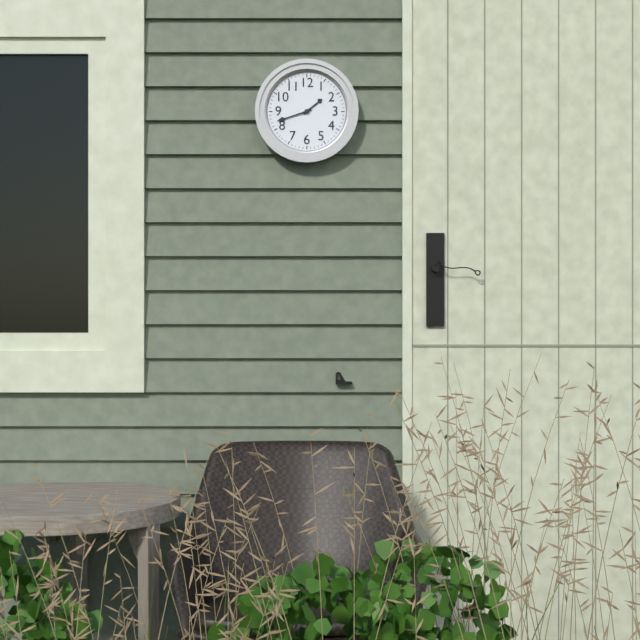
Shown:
1h42
